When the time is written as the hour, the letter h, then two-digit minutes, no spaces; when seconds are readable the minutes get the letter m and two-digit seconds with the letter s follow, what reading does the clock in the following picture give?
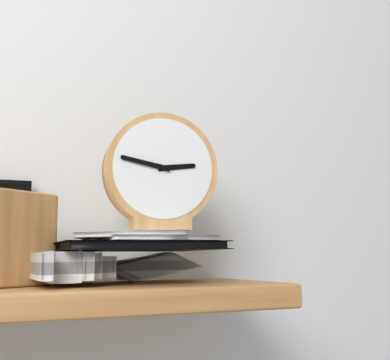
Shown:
2h47
